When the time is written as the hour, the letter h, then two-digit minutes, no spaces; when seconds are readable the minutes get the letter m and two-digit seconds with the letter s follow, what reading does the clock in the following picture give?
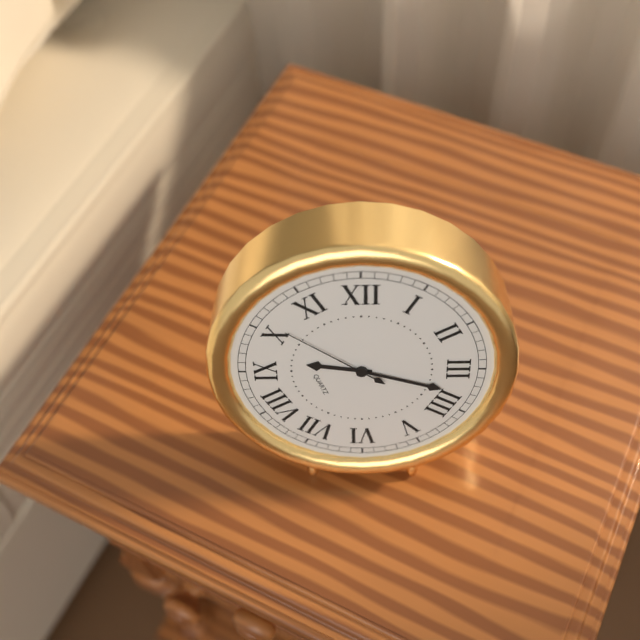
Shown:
9h18m51s
